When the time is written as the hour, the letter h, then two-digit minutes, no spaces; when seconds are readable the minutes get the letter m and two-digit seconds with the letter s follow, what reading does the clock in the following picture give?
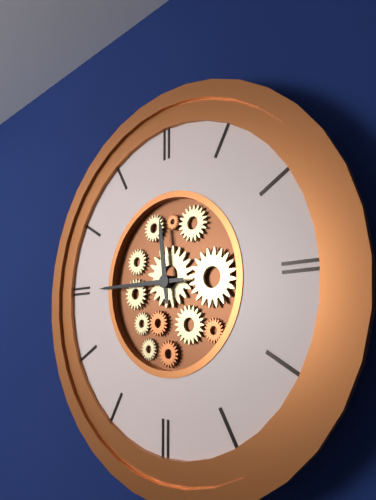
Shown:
11h45
